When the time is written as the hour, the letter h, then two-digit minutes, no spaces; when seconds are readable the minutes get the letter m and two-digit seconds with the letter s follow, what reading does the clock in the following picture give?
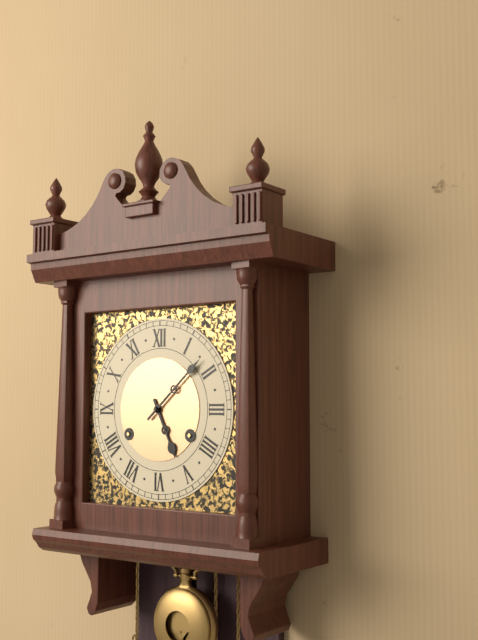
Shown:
5h08
